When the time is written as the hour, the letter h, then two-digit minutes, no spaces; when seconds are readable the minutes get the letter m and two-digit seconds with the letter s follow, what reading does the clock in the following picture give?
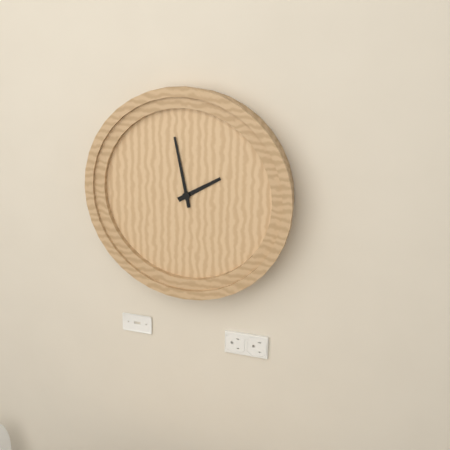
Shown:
1h58
